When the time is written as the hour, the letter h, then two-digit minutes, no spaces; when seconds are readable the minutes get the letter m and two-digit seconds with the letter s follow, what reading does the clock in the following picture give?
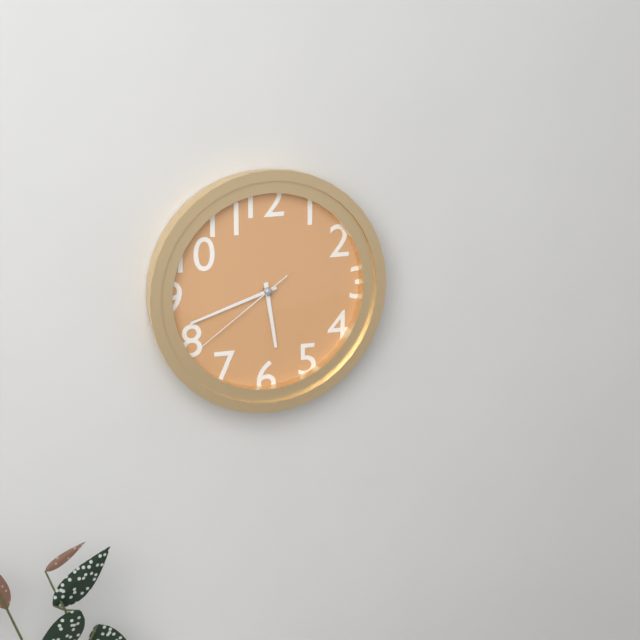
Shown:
5h42m39s
